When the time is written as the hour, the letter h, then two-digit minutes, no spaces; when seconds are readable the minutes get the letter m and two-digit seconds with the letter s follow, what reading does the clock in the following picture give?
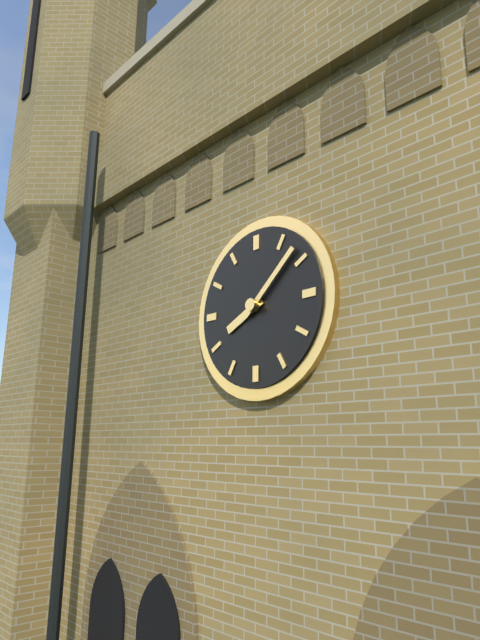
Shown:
8h08
